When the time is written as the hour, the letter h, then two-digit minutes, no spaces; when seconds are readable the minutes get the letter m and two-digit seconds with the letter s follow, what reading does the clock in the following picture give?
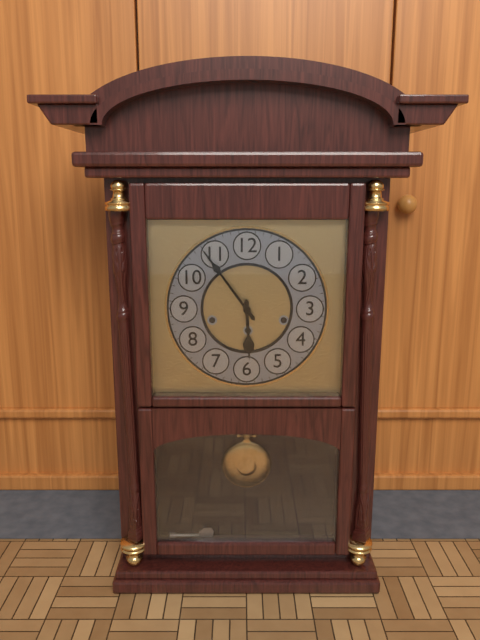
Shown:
5h54
